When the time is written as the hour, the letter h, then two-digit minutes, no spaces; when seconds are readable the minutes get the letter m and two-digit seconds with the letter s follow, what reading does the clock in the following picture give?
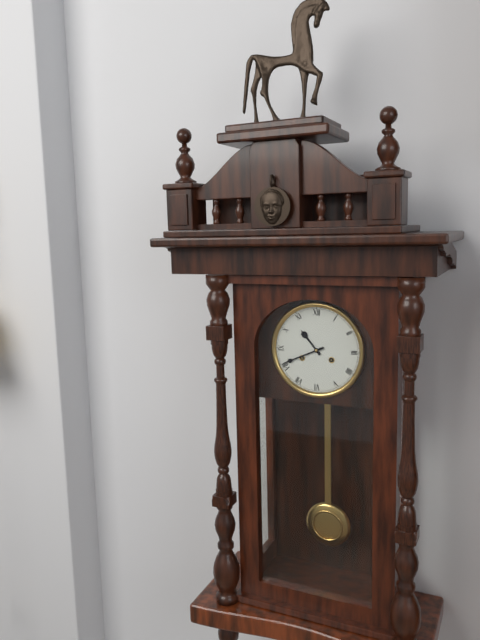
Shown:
10h41
